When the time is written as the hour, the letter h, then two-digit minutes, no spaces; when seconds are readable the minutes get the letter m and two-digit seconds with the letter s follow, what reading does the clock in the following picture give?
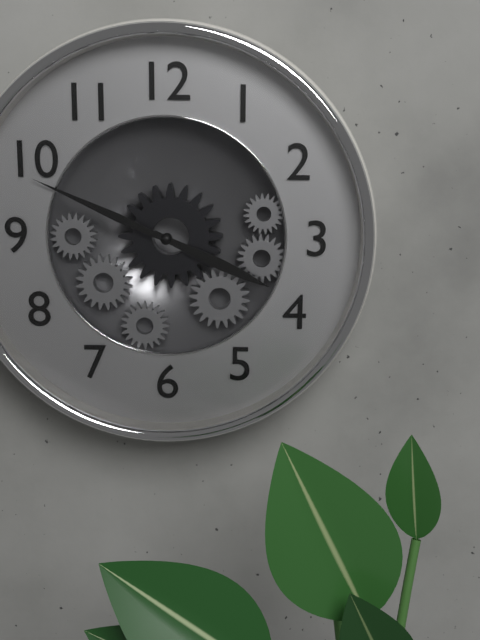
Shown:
3h49
